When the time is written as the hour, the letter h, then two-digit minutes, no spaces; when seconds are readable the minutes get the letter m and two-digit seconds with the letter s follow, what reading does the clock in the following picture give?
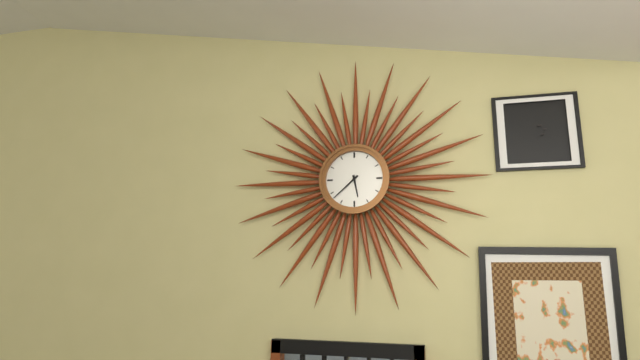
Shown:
5h38
